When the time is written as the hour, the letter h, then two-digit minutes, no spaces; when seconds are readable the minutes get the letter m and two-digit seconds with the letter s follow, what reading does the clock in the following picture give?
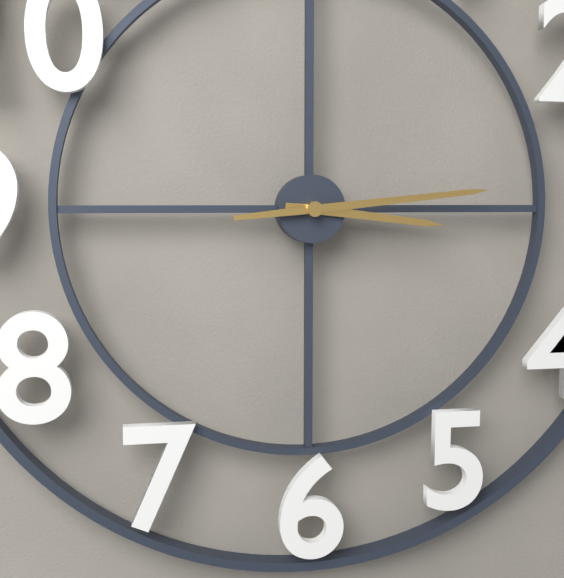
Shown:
3h14
